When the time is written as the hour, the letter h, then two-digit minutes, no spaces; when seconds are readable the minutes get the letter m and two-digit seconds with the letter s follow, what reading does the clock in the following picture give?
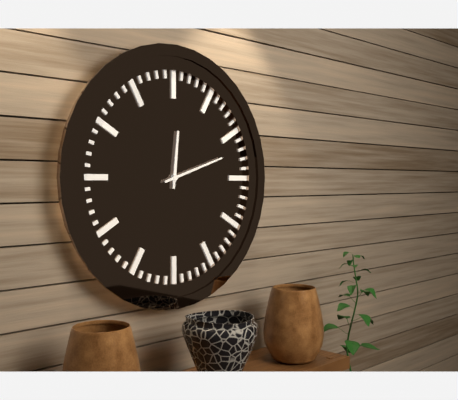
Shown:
12h12
